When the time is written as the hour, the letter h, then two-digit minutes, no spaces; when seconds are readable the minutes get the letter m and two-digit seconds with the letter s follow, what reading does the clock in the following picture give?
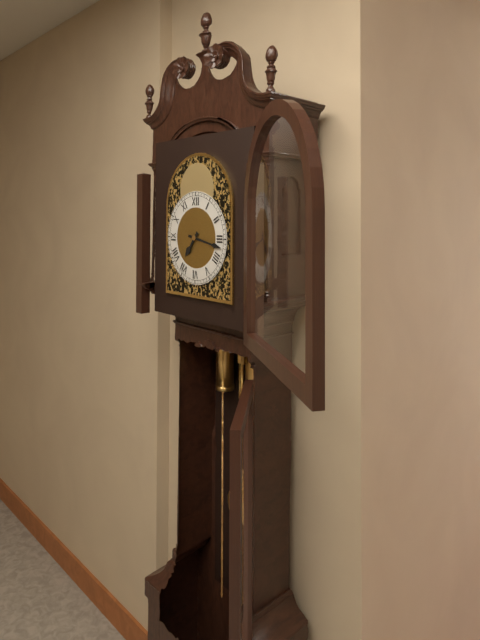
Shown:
7h17
